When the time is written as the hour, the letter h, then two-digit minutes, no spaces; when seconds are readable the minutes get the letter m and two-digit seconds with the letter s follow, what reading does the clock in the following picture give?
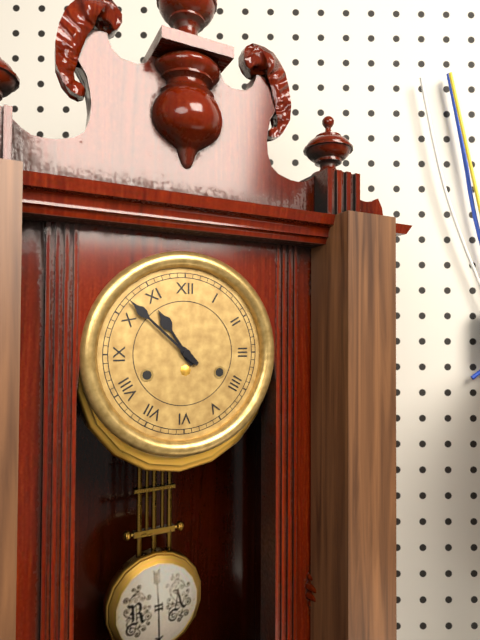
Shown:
10h52
